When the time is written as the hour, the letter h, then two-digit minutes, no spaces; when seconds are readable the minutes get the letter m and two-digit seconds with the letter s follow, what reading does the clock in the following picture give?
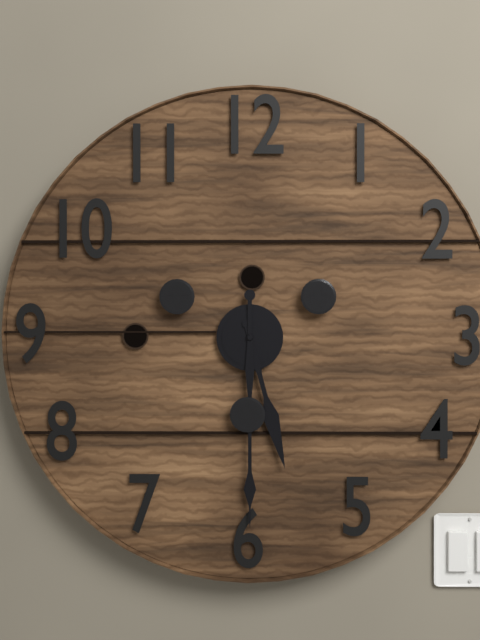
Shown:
5h30
